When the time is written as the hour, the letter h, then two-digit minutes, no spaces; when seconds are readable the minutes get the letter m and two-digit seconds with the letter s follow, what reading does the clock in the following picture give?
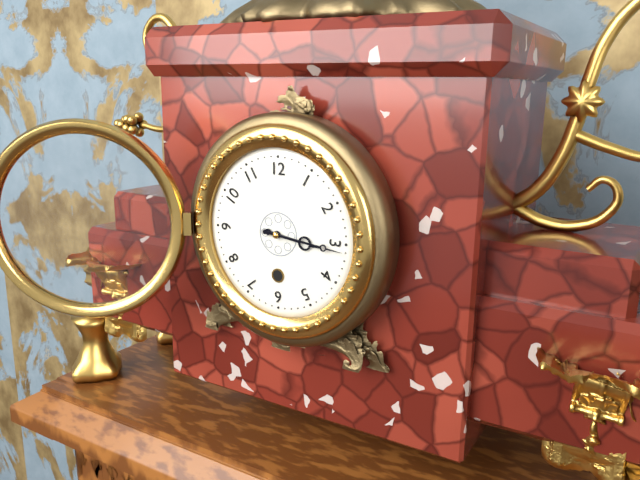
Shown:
3h16
